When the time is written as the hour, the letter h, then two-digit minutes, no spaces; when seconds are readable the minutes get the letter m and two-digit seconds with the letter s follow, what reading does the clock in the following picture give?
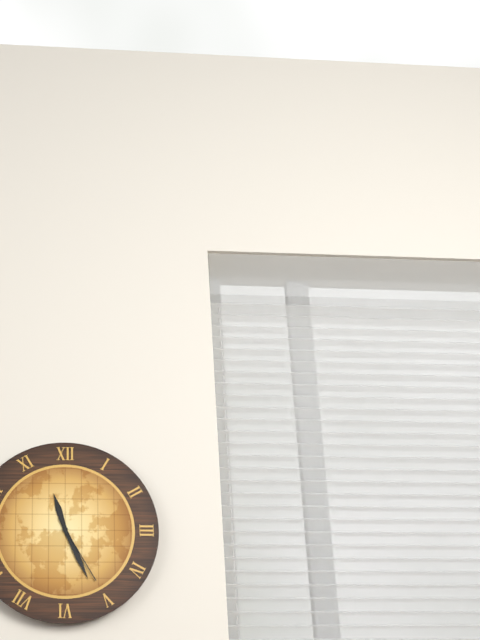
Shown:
11h26m25s
